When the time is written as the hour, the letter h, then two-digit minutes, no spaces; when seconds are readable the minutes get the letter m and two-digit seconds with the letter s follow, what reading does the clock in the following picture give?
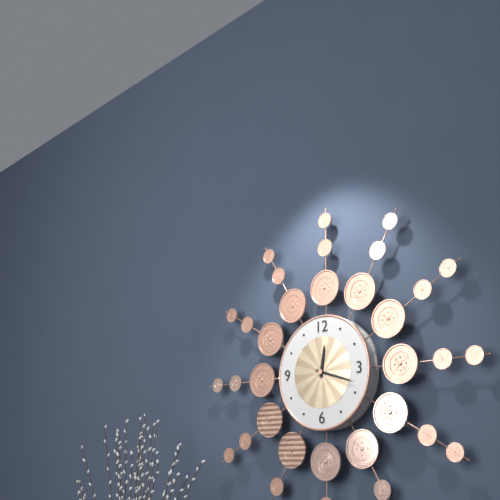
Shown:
12h18
